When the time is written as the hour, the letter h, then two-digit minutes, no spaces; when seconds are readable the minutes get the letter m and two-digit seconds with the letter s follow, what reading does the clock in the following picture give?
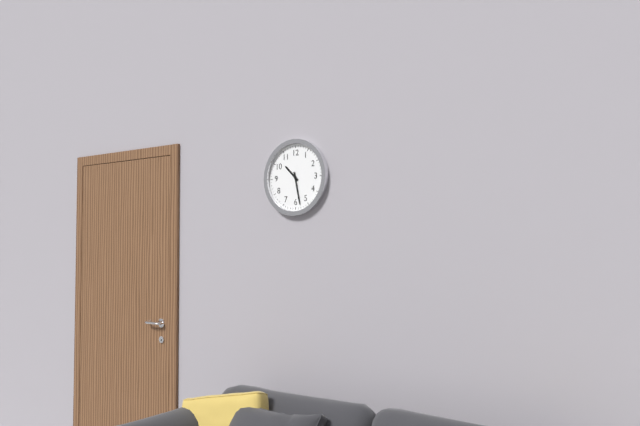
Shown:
10h28
